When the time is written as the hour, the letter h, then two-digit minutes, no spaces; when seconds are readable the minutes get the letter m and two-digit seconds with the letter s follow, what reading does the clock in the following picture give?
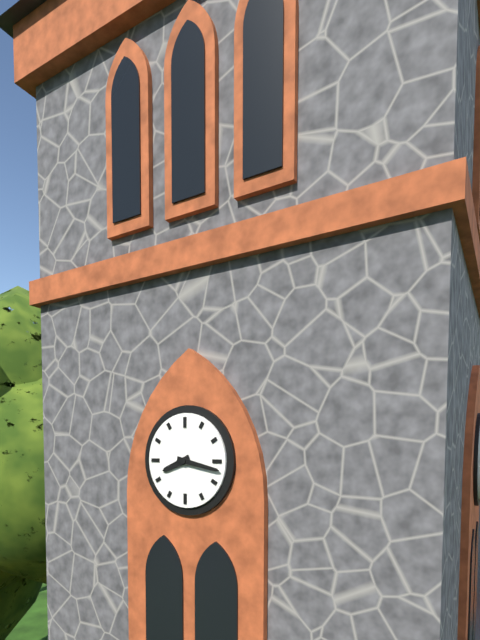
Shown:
8h17
